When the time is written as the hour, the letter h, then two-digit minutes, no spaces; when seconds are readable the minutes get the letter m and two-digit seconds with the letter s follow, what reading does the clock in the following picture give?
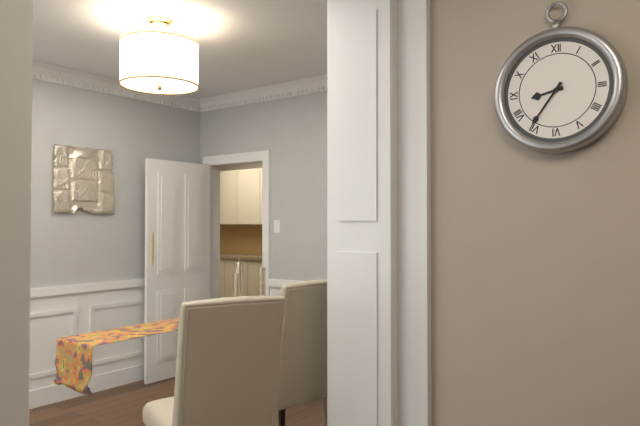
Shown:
8h36
